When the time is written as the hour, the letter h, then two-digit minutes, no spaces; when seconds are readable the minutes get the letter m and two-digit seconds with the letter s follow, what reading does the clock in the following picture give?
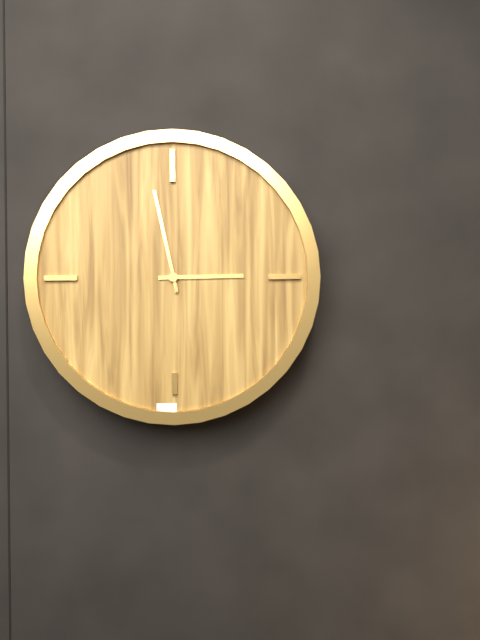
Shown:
2h58
